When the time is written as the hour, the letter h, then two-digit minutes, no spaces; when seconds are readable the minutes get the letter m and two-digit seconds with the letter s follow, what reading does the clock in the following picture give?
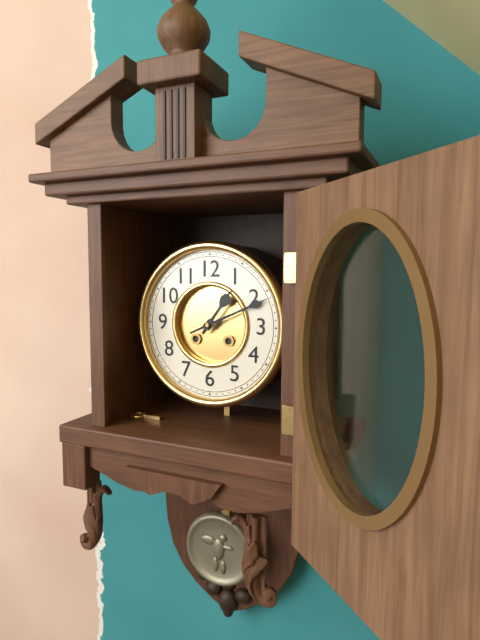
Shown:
1h11
